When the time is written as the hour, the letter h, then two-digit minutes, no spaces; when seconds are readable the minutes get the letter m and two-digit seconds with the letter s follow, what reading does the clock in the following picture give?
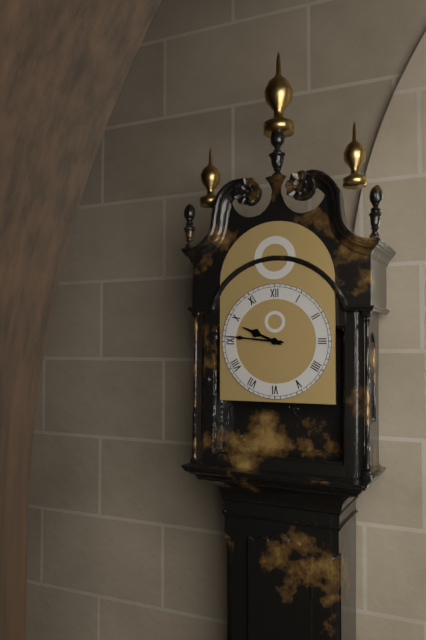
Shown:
9h46
